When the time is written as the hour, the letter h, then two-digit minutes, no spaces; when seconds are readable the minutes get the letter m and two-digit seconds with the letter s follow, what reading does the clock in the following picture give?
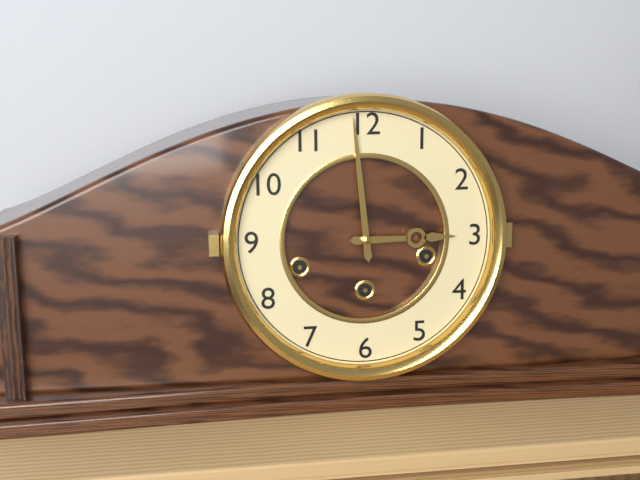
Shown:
2h59
